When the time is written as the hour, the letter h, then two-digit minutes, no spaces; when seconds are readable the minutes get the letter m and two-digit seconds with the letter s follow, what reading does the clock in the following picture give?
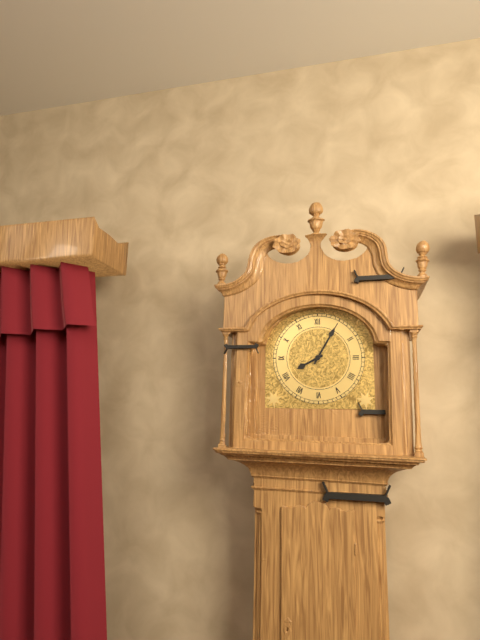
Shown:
8h05
